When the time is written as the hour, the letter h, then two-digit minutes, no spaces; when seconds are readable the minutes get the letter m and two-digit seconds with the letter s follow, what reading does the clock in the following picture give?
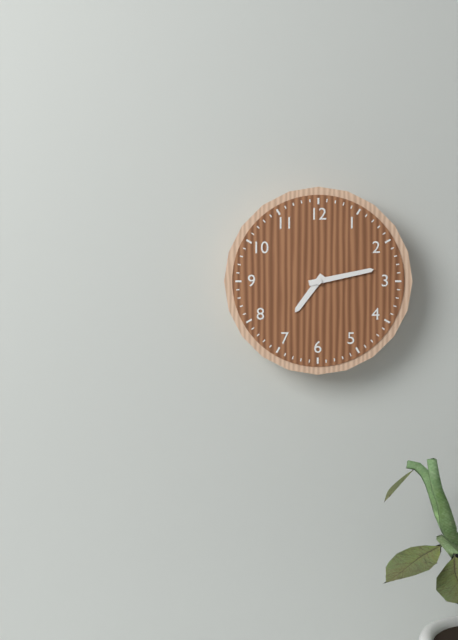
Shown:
7h13
